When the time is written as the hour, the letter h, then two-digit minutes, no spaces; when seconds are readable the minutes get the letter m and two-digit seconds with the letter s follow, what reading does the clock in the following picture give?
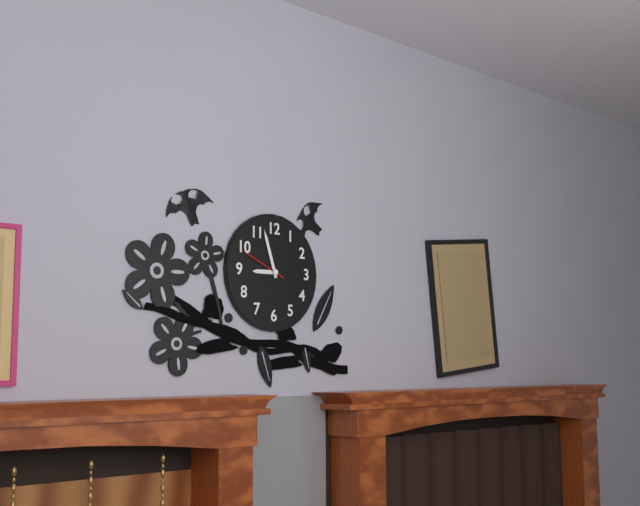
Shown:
8h57m49s
